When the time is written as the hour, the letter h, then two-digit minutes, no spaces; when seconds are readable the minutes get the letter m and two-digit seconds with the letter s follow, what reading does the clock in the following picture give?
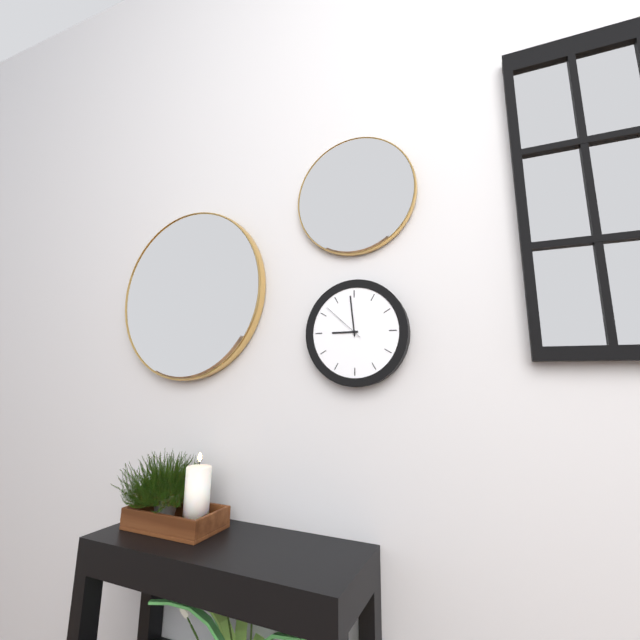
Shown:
8h59
